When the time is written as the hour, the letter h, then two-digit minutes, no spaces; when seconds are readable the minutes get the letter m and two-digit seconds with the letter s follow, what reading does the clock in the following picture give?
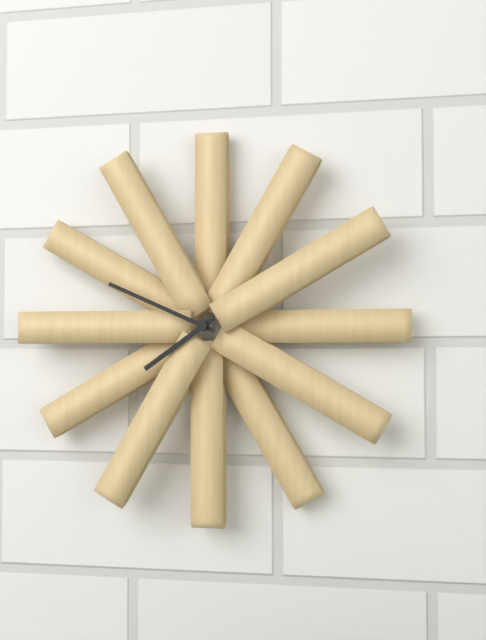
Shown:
7h49
